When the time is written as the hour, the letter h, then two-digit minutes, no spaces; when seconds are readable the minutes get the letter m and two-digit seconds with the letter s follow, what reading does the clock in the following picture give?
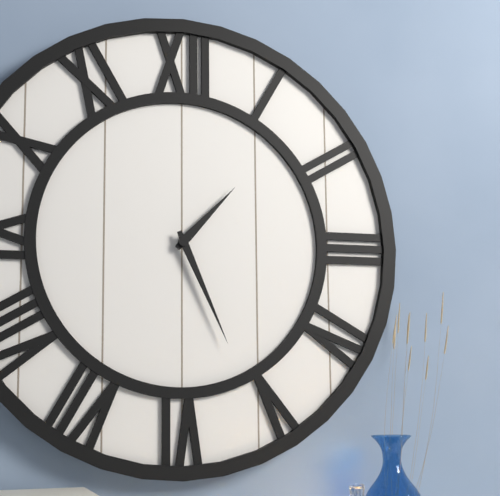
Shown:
1h26
